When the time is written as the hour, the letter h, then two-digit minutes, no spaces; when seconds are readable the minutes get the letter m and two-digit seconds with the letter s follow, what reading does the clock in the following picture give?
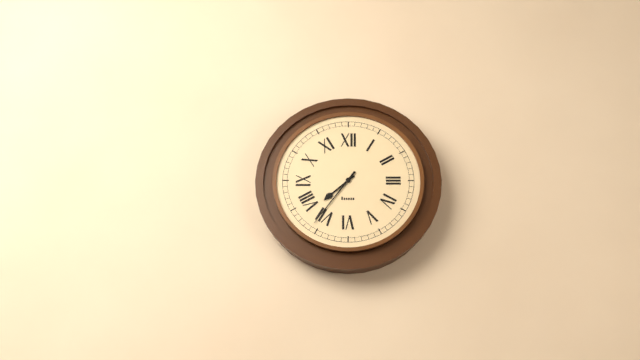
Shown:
7h36
